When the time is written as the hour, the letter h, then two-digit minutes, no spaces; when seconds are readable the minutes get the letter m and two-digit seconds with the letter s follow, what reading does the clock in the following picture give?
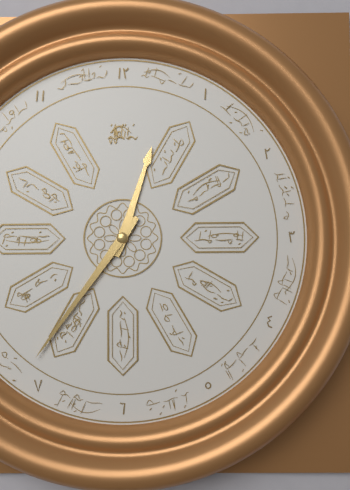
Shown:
12h36
